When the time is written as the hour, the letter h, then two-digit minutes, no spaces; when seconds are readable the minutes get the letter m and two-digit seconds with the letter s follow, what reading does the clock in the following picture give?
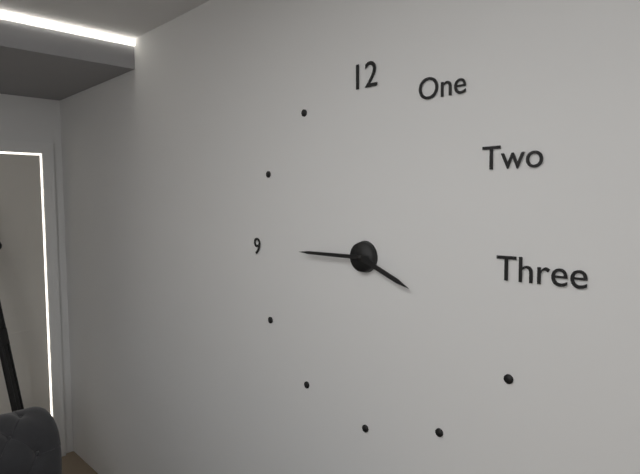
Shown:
3h45
